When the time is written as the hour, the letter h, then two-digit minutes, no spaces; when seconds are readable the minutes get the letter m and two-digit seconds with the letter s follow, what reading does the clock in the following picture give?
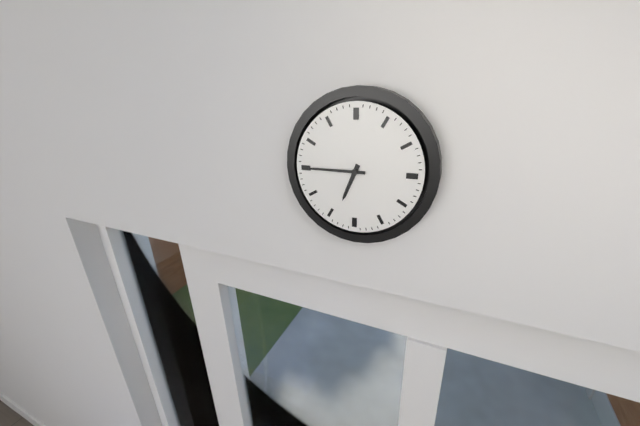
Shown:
6h45
